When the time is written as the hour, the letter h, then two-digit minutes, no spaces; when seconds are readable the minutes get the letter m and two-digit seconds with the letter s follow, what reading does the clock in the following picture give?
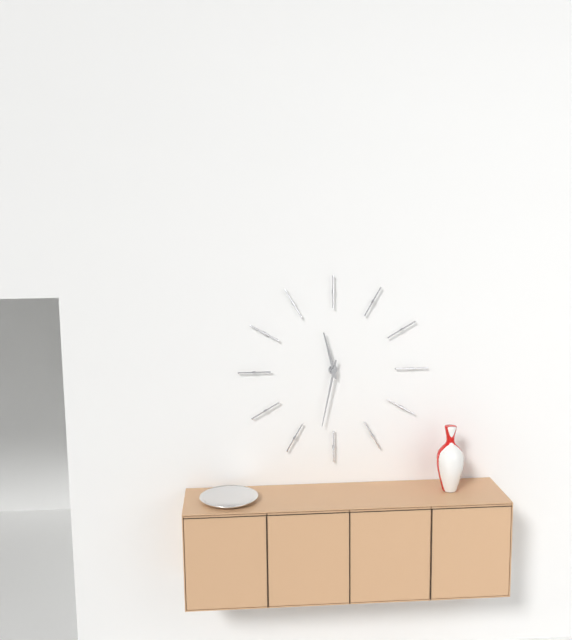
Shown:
11h32
